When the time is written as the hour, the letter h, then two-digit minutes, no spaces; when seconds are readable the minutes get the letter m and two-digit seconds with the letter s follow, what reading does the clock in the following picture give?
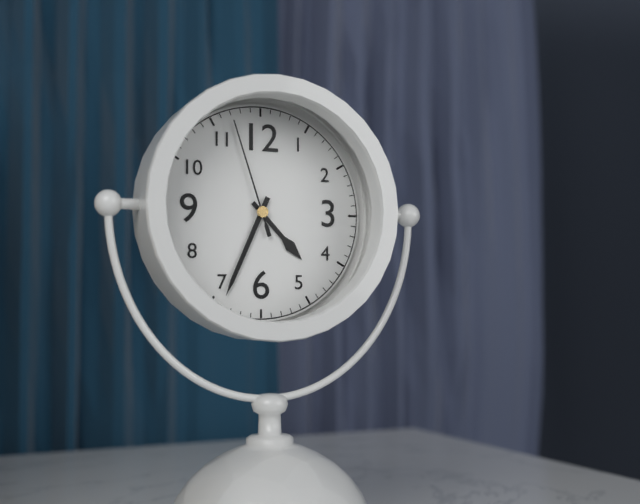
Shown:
4h34m57s
